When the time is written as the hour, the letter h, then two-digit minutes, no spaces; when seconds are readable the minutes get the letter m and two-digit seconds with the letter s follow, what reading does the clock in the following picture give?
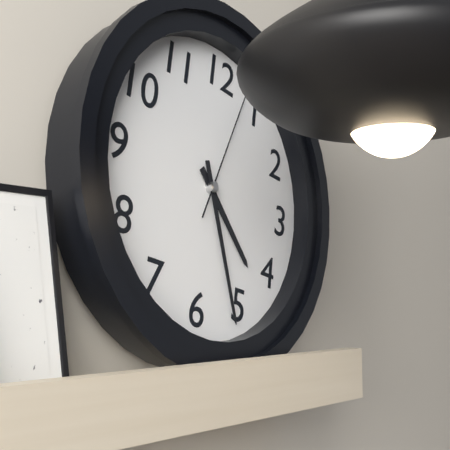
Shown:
4h26m03s
